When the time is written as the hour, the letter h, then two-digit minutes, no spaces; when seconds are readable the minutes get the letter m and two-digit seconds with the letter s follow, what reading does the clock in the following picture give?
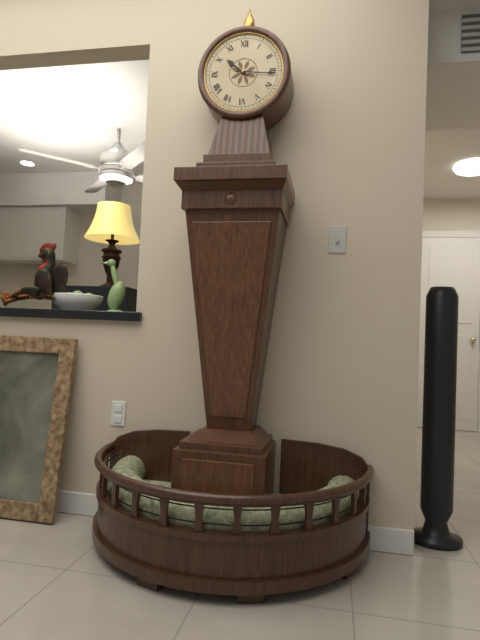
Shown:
10h16
